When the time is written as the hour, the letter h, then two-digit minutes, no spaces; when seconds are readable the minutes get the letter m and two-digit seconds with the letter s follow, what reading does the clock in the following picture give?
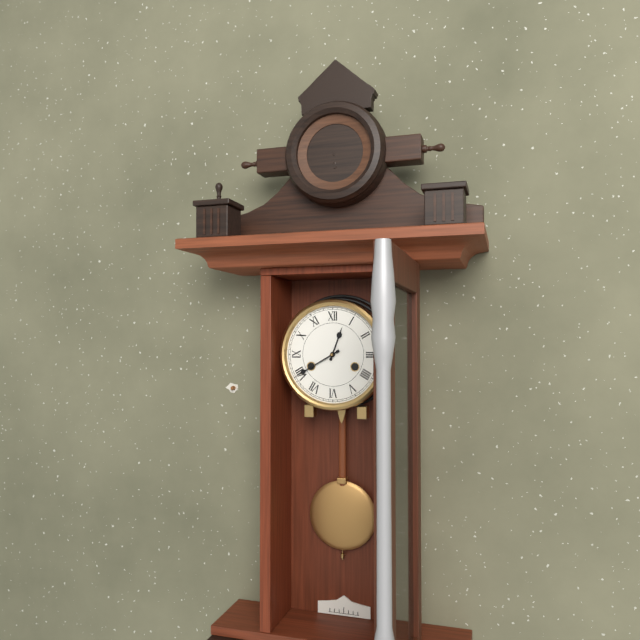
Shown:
12h40
